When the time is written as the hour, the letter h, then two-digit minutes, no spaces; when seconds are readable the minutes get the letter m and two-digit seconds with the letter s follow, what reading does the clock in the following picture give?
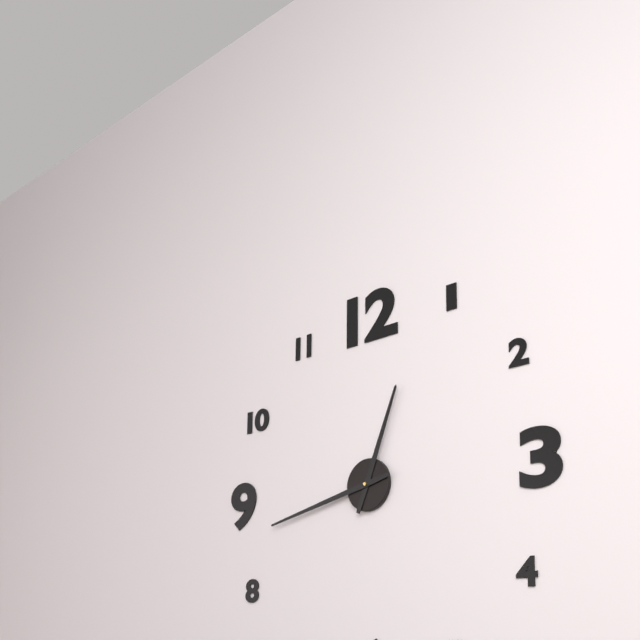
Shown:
12h43
